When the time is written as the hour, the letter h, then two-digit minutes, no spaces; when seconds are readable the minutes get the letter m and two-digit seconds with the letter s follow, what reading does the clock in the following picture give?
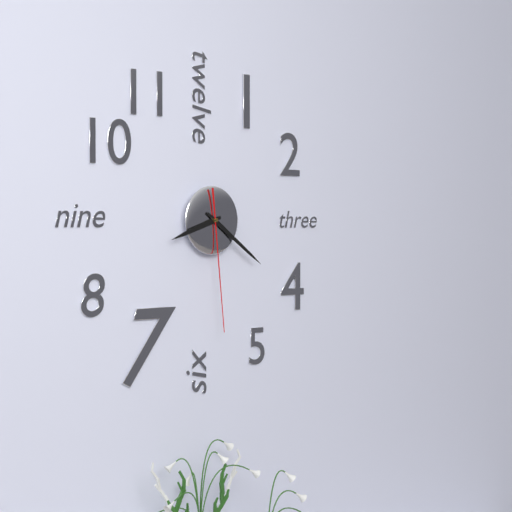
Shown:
8h21m29s
